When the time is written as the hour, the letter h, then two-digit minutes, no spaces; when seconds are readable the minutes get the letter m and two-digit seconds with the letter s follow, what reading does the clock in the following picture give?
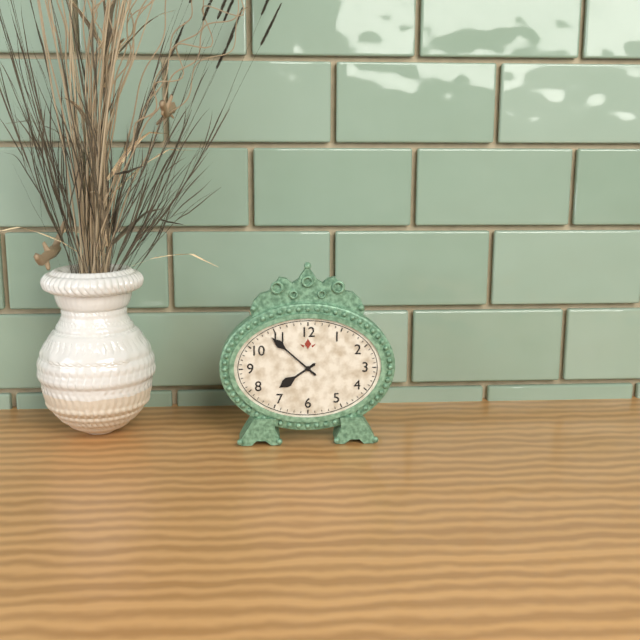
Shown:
7h52
